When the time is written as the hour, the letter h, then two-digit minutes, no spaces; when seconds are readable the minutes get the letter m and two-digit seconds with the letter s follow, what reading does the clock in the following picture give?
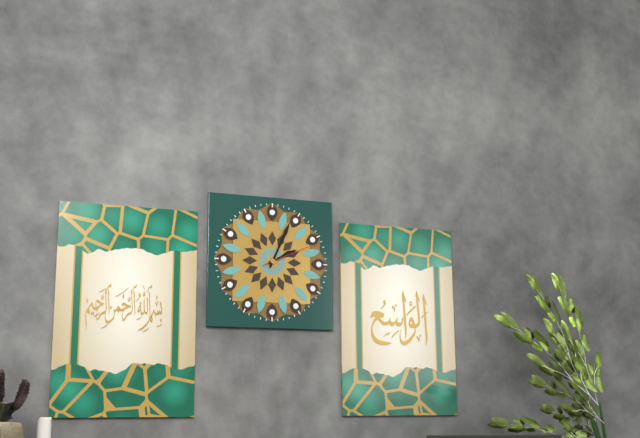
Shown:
2h04m11s
